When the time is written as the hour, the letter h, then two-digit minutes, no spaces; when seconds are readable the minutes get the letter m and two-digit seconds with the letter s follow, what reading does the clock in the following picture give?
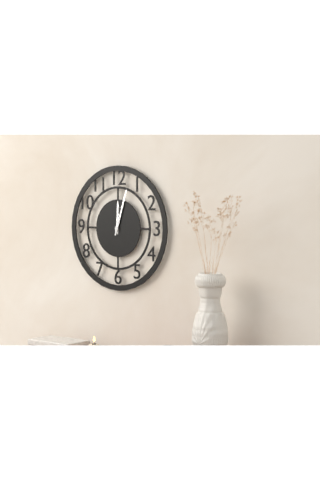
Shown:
12h03
